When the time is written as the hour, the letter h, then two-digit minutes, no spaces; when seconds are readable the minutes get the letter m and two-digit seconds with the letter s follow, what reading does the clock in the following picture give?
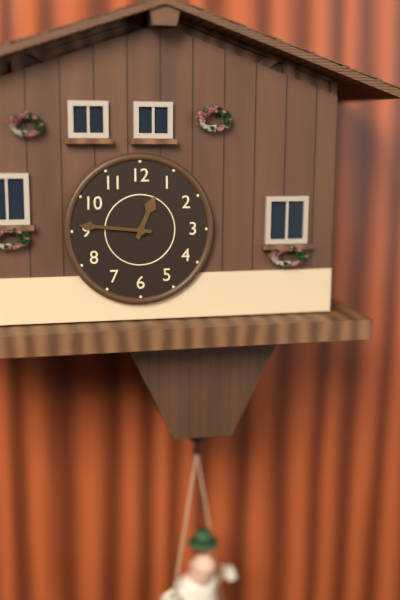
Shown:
12h46
